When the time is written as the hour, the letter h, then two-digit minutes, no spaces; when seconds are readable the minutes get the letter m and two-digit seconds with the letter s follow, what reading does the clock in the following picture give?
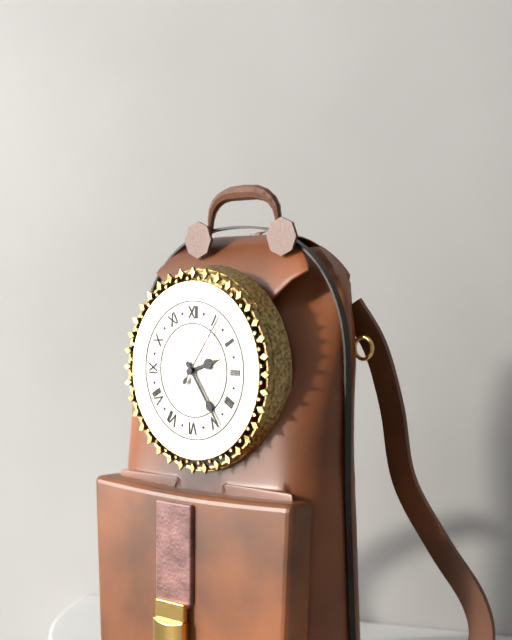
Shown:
2h24m06s
